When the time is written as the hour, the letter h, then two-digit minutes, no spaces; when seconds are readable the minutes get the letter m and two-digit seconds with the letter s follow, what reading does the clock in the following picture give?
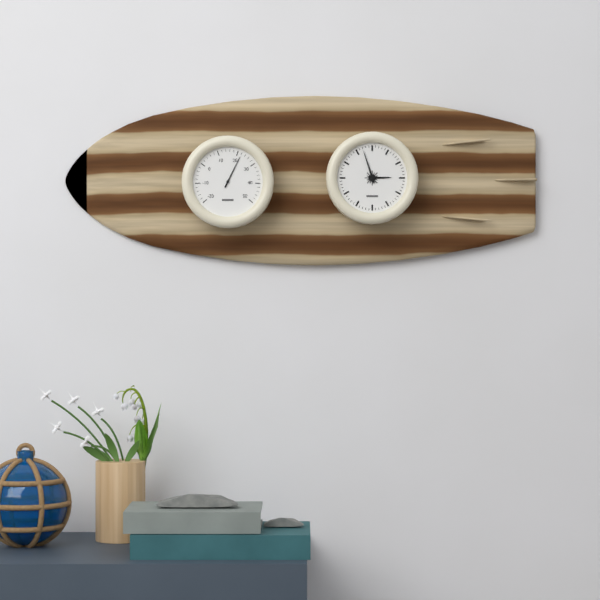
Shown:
2h57
